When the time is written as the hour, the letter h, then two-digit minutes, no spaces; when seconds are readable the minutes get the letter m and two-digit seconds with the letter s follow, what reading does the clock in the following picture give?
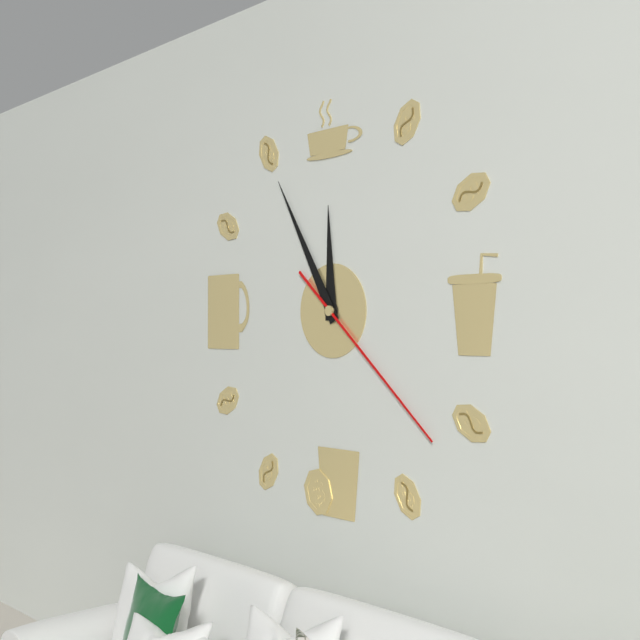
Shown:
11h55m22s
